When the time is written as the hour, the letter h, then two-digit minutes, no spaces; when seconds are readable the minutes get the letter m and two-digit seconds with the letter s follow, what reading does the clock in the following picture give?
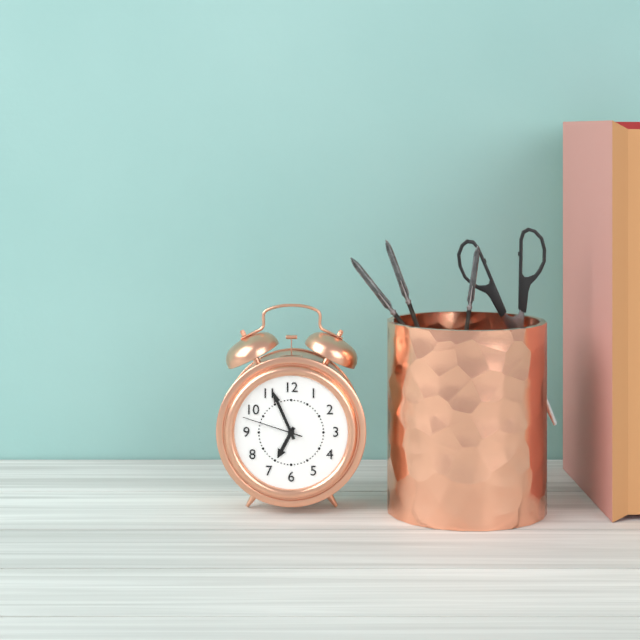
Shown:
6h56m48s
